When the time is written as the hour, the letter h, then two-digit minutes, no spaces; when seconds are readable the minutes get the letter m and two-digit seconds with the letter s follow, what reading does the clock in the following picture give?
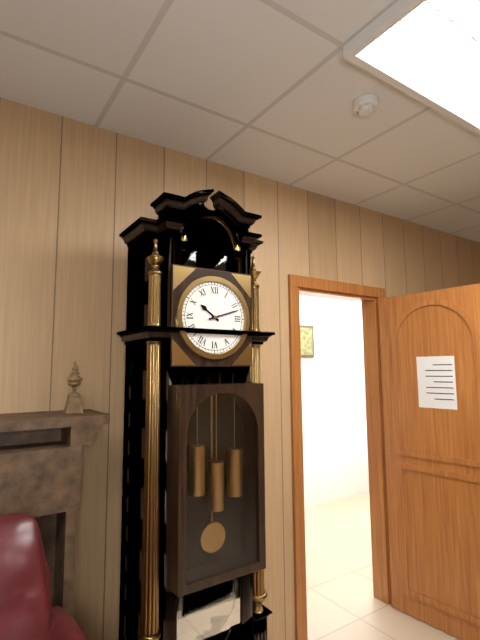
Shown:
10h12
